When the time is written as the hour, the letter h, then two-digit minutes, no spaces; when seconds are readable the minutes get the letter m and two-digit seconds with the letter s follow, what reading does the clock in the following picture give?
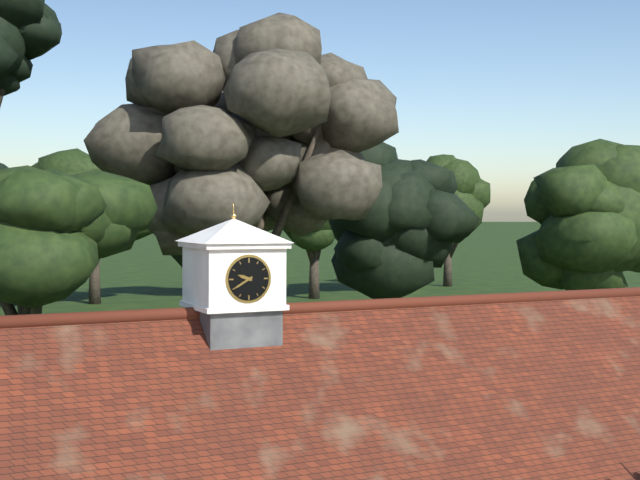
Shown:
9h40
